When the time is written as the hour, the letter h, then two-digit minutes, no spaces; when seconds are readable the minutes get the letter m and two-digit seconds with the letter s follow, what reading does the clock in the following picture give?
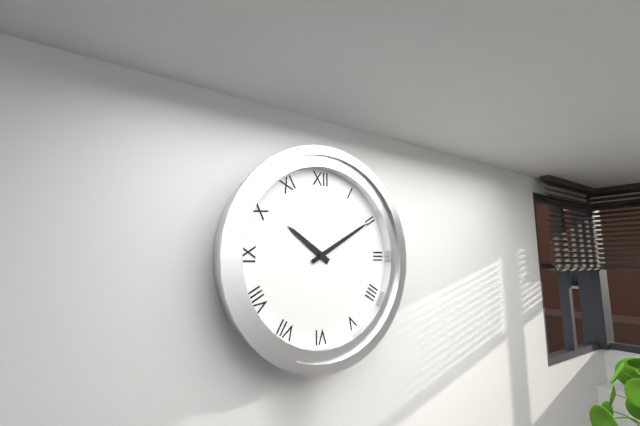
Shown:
10h10
